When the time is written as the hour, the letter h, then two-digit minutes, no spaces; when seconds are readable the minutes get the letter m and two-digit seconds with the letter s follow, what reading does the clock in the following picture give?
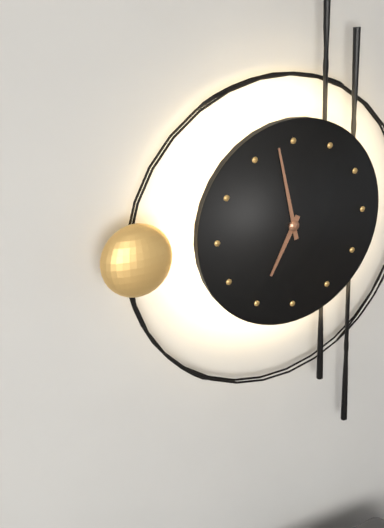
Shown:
6h58
